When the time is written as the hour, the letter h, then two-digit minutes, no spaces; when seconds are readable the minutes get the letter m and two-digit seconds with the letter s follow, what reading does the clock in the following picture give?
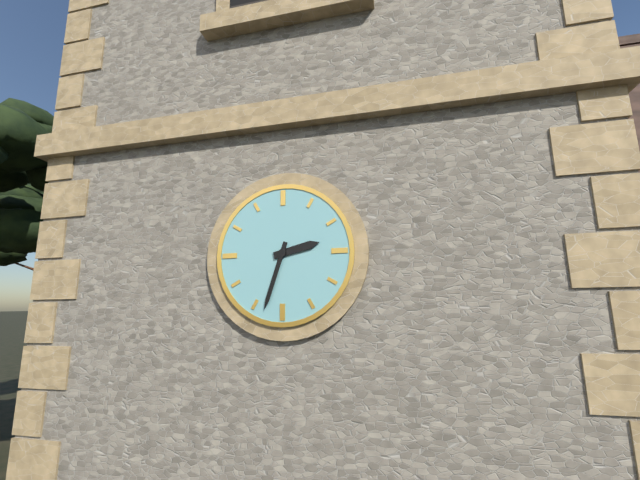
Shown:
2h33
